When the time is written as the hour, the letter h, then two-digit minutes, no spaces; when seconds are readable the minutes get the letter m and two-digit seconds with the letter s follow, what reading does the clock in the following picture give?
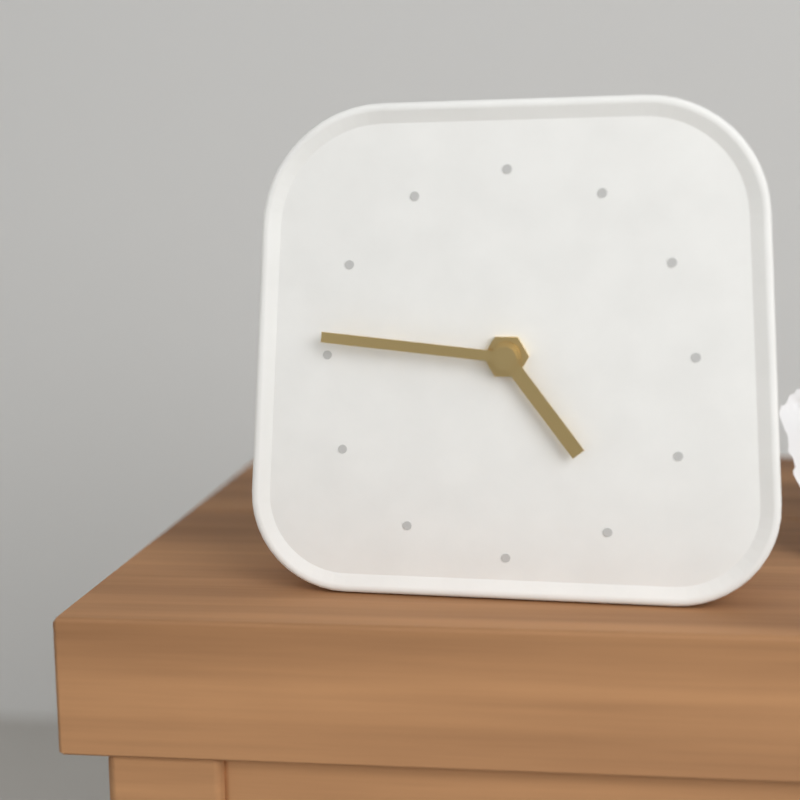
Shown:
4h46
